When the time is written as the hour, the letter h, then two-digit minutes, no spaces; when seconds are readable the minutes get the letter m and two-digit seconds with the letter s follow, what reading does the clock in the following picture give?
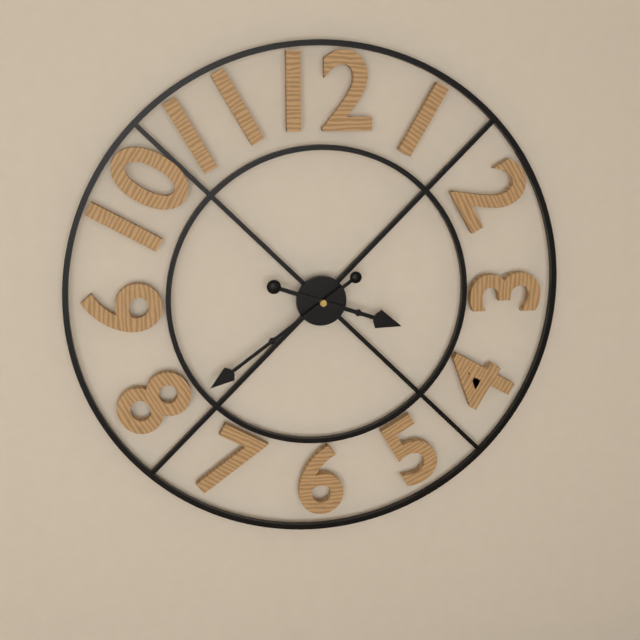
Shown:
3h39
